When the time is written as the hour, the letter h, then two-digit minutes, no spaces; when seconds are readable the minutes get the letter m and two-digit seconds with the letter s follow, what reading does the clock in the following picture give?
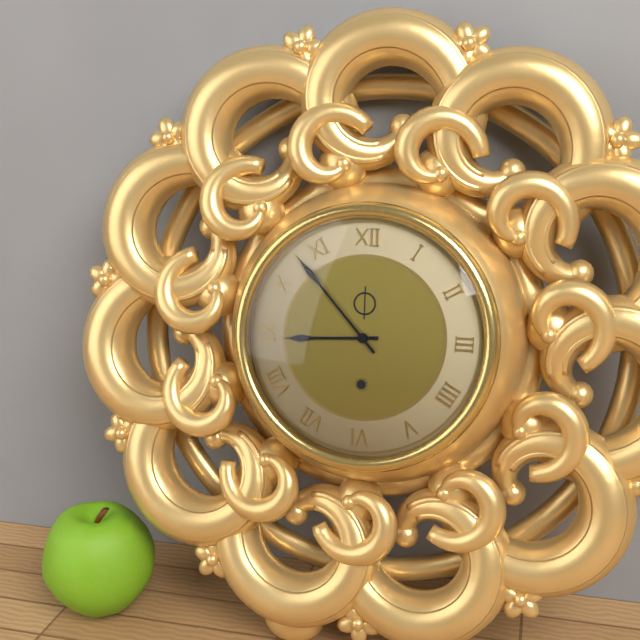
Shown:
8h53
